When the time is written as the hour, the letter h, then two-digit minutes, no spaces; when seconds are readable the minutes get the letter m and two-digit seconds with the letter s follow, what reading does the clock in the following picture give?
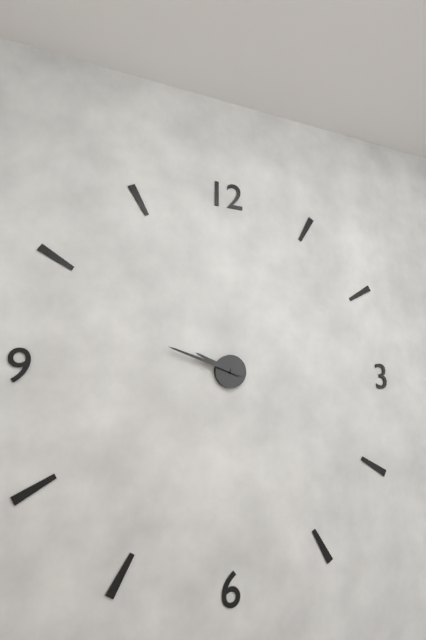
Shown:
9h48
